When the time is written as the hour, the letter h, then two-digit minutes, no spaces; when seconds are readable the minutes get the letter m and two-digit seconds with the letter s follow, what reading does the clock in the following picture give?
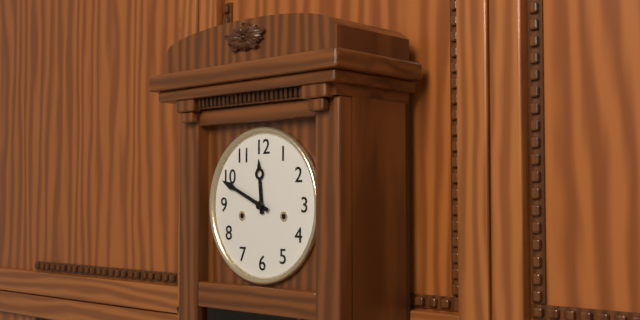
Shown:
11h49
